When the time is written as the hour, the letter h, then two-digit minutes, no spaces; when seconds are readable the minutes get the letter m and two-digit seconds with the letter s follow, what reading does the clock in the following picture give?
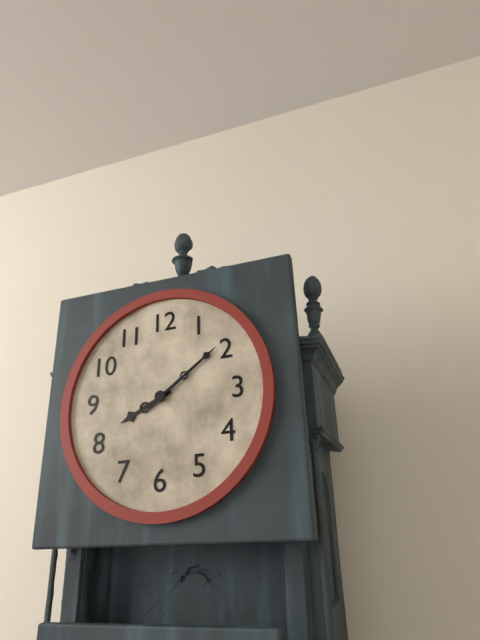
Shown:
8h09
